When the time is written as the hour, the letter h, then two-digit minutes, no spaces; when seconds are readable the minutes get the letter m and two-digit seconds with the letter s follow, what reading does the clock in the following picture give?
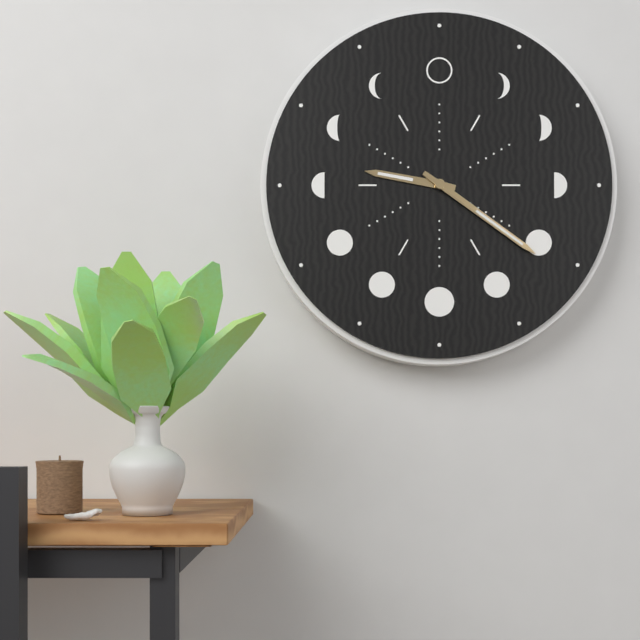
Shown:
9h21
